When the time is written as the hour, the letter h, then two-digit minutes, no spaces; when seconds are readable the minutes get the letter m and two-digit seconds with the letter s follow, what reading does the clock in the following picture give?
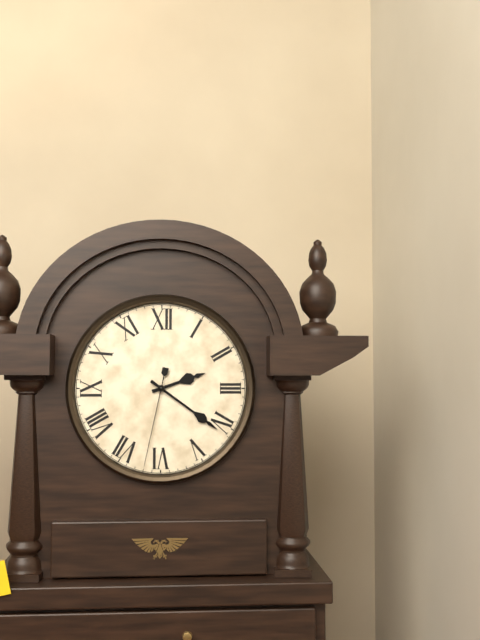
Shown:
2h21m32s
